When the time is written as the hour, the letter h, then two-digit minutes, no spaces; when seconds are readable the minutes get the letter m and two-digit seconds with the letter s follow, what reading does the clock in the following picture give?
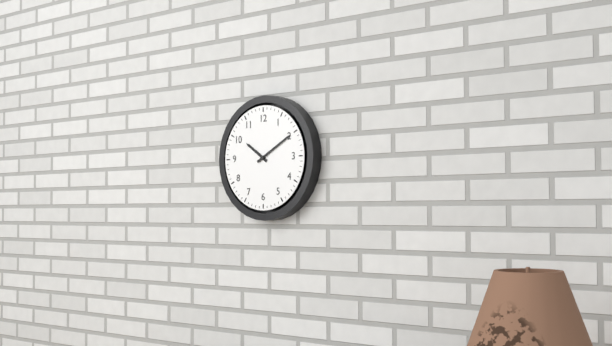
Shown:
10h10
